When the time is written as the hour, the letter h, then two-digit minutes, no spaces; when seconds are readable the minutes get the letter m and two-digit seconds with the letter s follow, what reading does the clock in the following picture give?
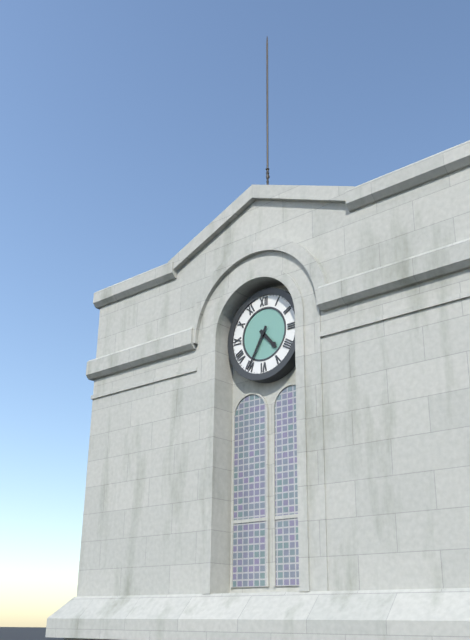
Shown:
4h35
